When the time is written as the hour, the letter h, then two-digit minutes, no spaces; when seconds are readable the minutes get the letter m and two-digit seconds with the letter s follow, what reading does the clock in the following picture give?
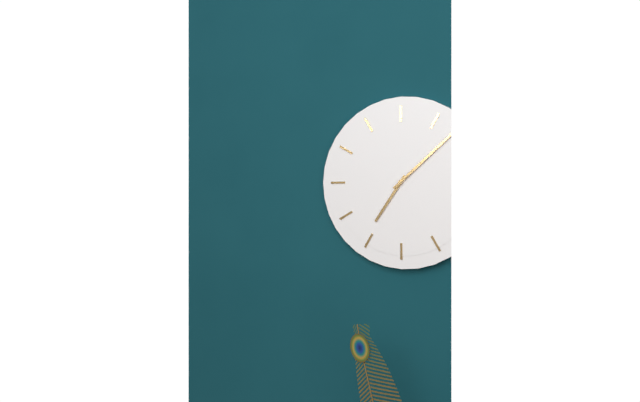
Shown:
7h08
